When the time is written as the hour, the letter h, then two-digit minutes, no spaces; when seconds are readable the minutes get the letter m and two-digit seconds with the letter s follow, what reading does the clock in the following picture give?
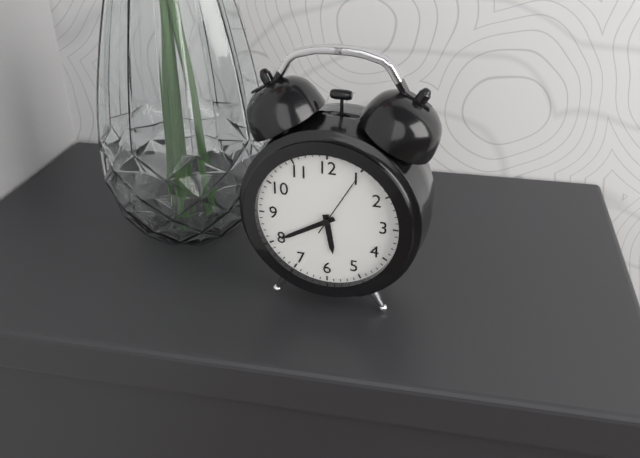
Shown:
5h40m05s
